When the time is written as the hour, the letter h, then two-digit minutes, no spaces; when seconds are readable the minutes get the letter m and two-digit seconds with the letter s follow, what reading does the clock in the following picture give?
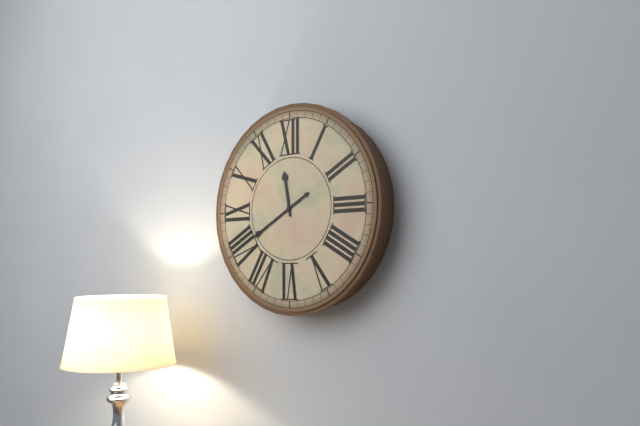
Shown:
11h40
